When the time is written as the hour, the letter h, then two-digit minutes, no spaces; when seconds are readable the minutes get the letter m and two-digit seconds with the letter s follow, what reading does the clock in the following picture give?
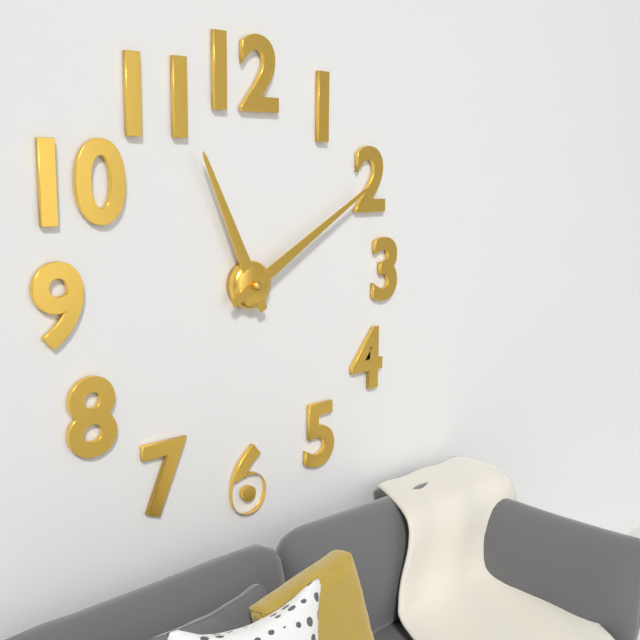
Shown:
11h10
